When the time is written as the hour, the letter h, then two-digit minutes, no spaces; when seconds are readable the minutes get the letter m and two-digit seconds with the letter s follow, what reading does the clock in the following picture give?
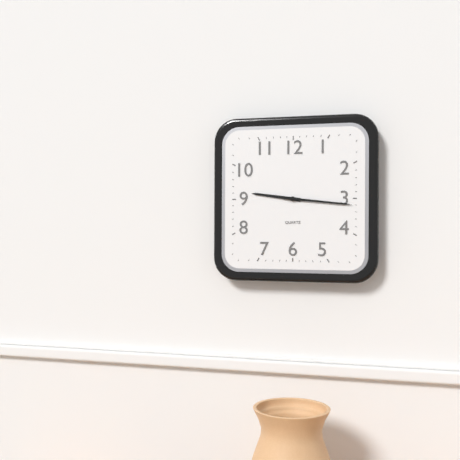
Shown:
9h16
